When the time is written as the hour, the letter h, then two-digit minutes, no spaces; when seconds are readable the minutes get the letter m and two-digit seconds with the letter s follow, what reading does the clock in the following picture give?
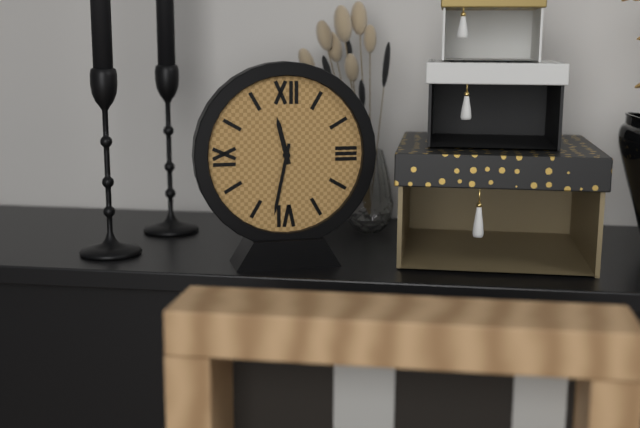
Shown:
11h32
